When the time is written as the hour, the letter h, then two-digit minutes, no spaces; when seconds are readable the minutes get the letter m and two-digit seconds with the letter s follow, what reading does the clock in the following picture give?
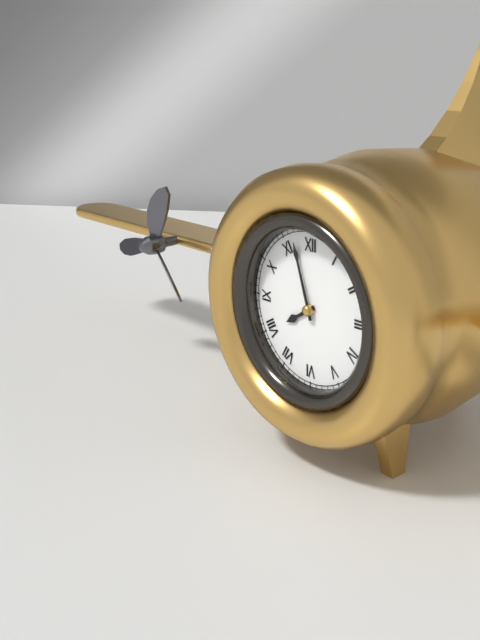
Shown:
7h57
